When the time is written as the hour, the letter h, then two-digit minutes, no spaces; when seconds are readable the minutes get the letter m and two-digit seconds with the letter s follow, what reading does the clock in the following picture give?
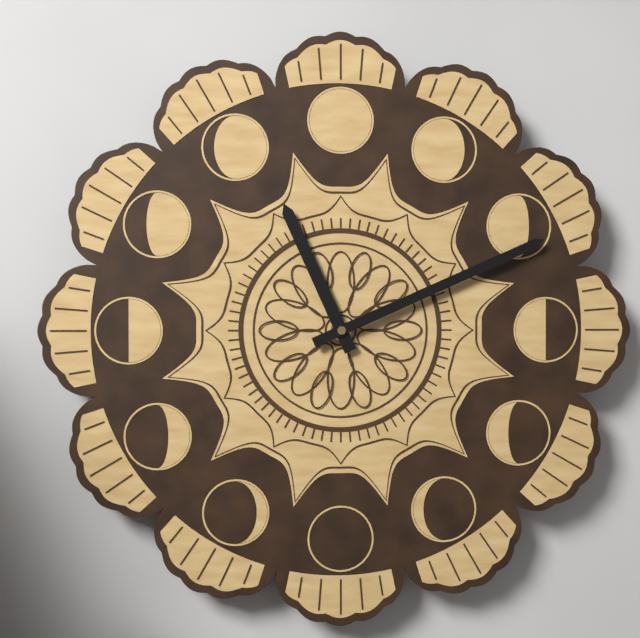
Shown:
11h11
